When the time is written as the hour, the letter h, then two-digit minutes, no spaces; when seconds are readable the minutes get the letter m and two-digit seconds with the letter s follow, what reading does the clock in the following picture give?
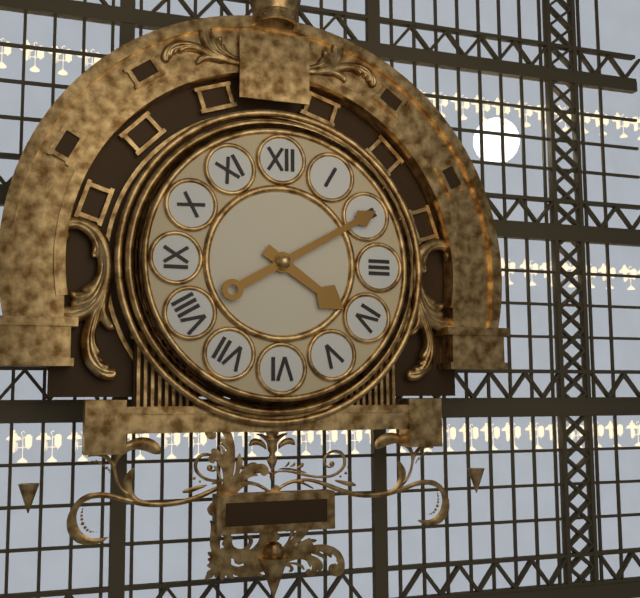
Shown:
4h10
